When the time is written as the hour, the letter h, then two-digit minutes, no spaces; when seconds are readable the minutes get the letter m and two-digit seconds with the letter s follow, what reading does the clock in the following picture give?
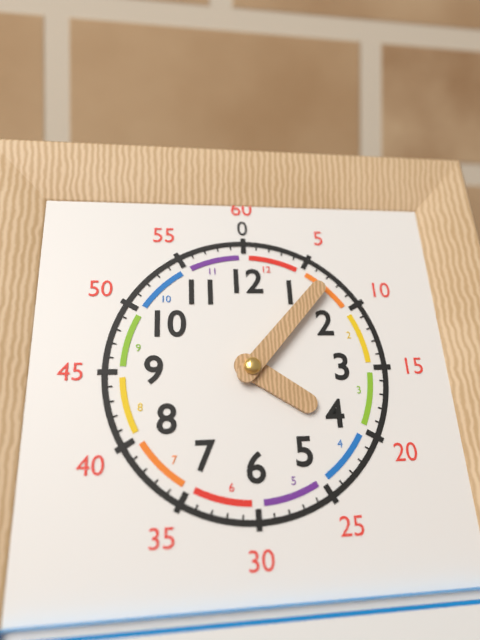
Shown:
4h07
